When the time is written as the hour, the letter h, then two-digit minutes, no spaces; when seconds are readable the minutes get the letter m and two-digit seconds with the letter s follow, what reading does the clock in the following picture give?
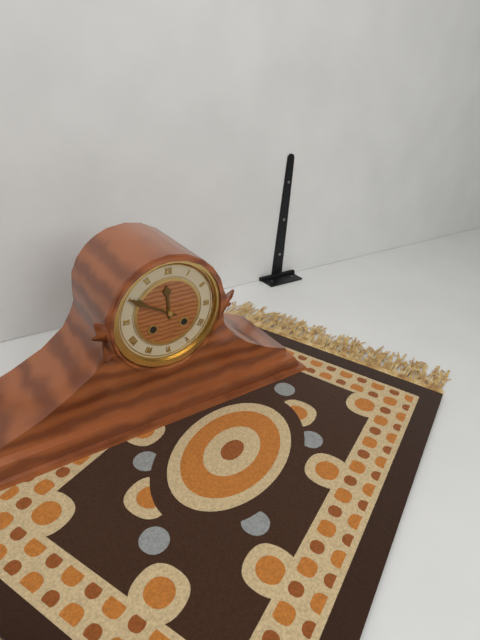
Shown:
11h50
